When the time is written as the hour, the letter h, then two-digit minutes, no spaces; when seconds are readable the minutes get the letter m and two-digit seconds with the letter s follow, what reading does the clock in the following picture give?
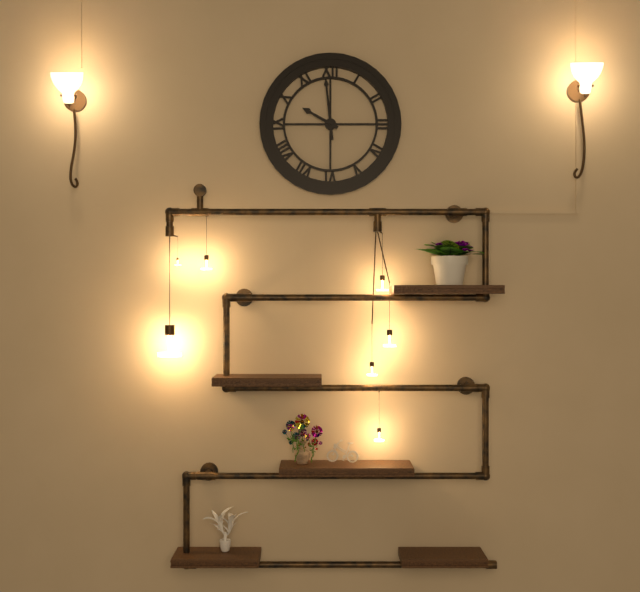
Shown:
9h59
